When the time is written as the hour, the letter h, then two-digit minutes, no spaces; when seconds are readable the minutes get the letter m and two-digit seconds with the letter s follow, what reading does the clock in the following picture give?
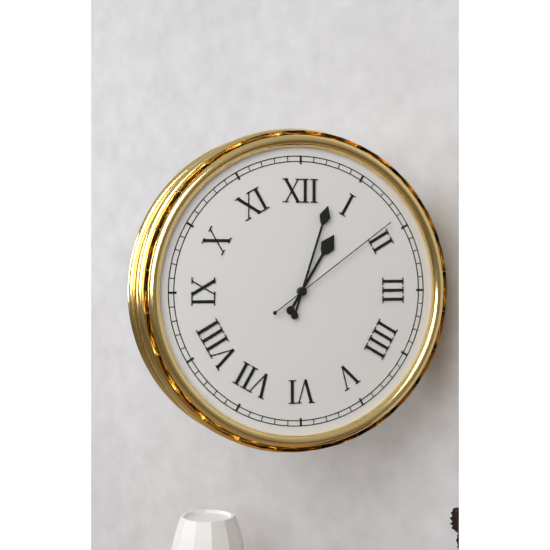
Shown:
1h03m09s
